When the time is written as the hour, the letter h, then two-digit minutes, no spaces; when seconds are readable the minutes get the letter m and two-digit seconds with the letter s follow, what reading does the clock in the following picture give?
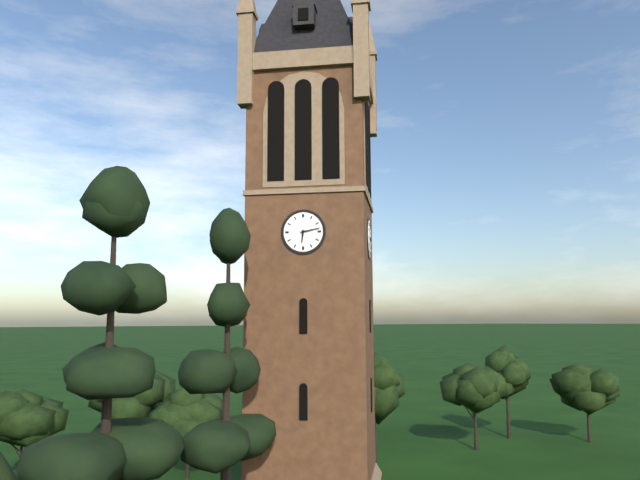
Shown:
6h13
